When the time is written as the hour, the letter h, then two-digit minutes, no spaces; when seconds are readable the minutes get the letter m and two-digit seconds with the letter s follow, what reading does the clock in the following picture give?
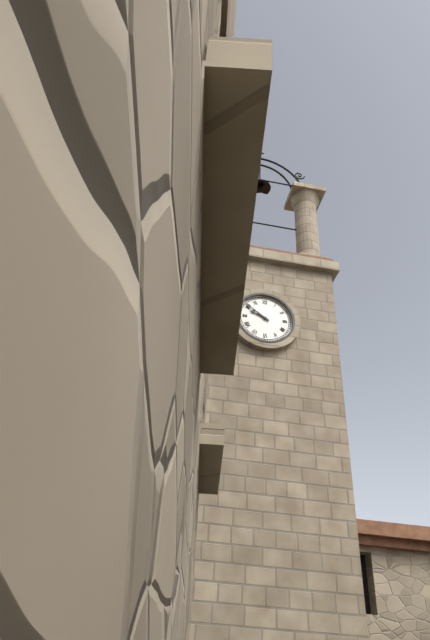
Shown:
9h51
